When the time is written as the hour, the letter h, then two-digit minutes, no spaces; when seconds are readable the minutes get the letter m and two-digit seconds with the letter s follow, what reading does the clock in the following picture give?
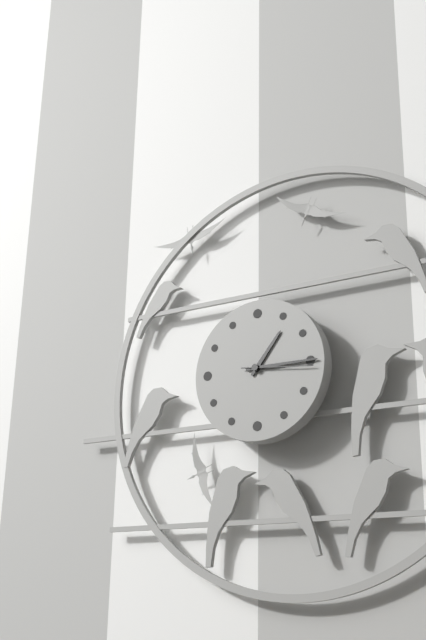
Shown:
1h15m16s
